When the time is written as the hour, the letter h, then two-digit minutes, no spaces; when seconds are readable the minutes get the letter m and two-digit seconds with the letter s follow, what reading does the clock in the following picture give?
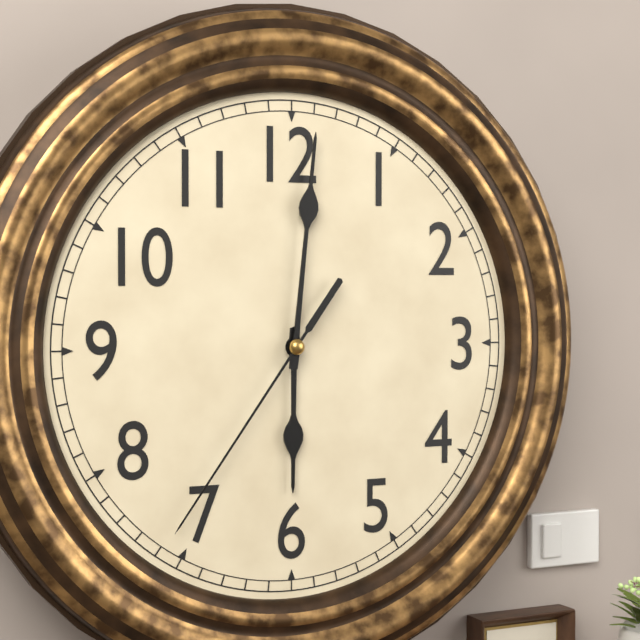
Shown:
6h01m36s
